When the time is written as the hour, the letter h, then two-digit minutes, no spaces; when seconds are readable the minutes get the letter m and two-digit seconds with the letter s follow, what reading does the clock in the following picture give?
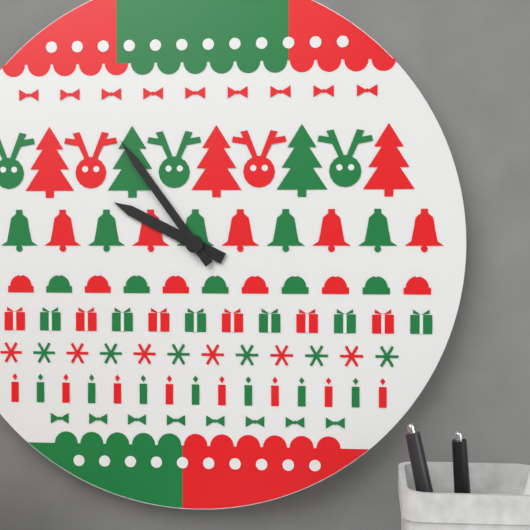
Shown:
9h54
